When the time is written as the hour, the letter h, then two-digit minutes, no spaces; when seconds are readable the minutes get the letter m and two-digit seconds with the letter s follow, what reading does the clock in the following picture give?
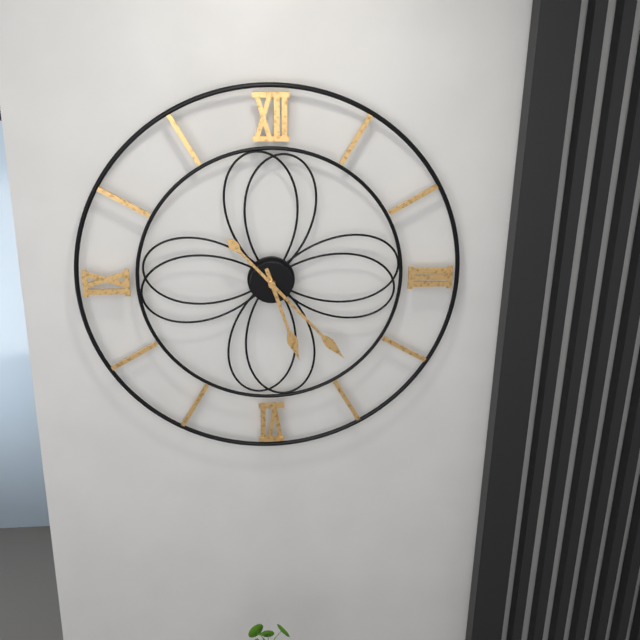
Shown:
5h23
